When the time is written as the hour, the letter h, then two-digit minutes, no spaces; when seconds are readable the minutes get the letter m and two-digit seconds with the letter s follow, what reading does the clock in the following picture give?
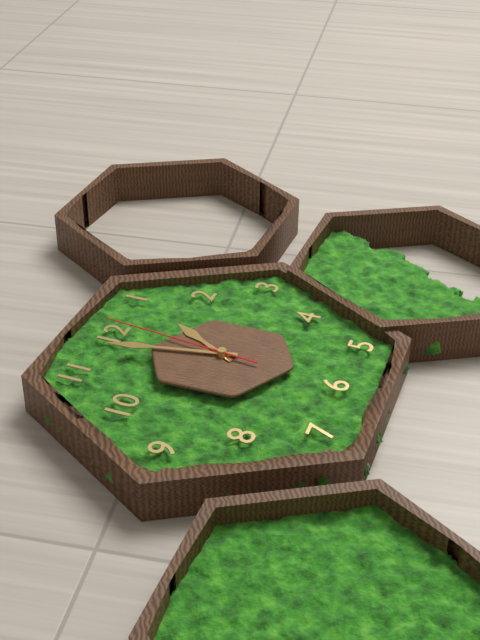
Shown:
12h58m01s
